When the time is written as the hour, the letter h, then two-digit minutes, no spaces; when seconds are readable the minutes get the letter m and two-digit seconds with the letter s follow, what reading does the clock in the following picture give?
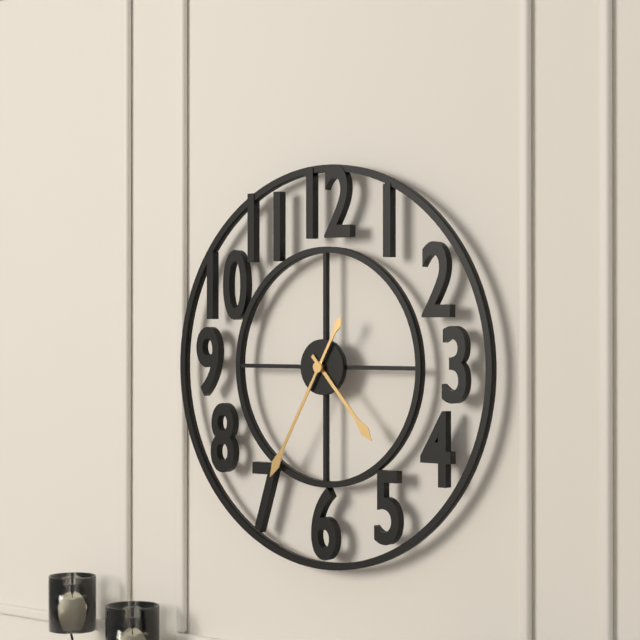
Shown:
4h35
